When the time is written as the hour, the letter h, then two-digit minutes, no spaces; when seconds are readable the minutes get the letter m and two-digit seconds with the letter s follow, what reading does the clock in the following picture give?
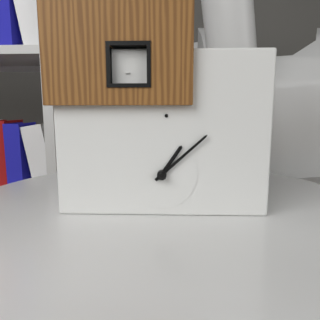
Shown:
1h08
